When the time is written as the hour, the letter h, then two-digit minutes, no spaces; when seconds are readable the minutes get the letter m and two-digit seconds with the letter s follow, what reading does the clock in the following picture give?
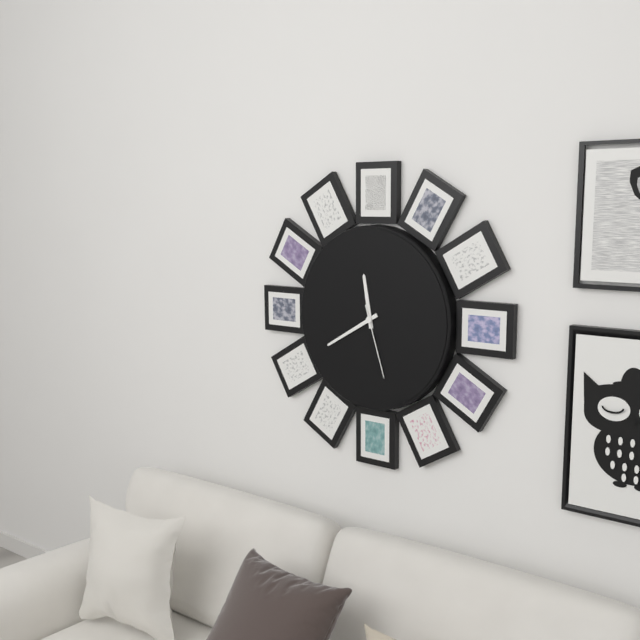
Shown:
11h40m27s
